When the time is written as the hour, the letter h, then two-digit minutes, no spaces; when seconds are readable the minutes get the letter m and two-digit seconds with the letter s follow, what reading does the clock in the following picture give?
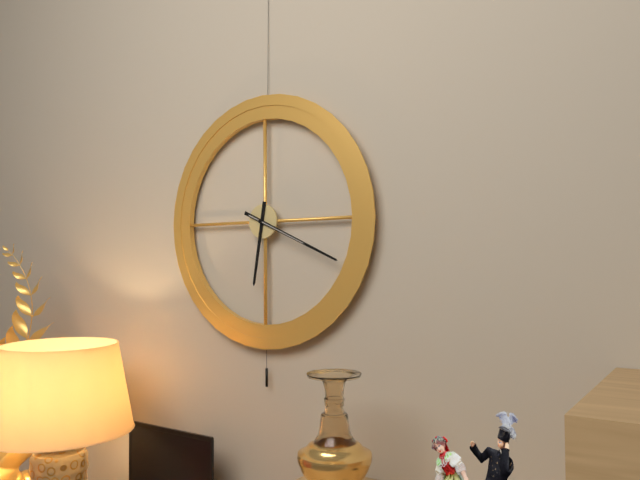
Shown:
6h19m19s
